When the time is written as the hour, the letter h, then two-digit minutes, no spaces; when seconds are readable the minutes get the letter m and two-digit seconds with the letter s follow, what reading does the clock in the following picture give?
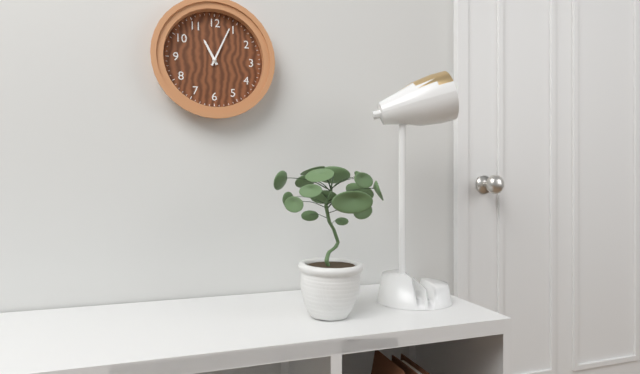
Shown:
11h04
